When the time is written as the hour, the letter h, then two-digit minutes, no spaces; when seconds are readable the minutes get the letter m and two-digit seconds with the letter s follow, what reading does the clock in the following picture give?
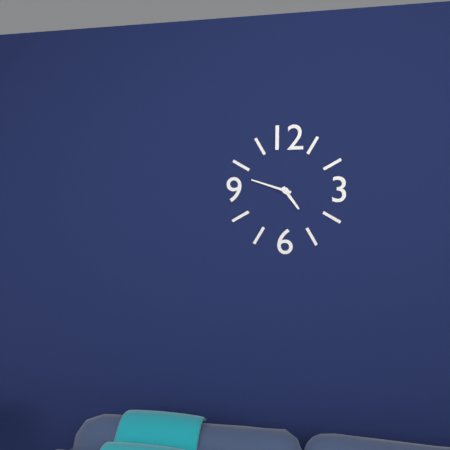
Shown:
4h48
